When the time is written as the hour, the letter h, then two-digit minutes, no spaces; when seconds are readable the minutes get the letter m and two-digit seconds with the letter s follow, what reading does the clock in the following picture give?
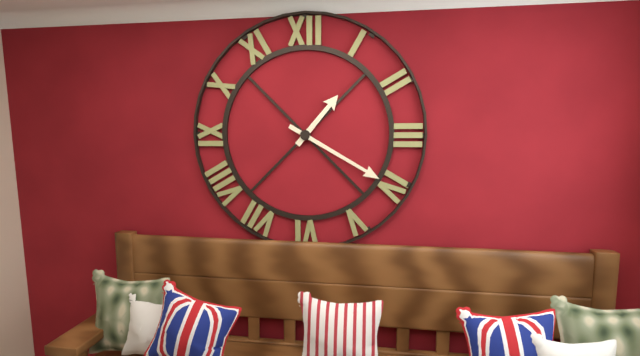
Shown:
1h20
